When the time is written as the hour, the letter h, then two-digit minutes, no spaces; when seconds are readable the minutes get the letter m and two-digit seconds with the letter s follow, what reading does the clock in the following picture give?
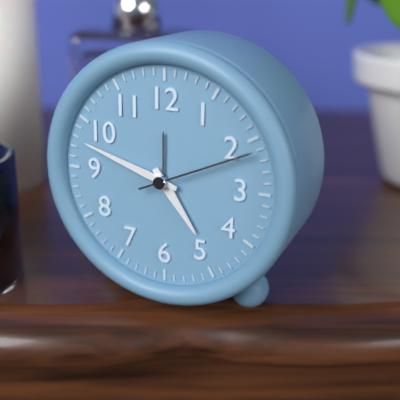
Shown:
4h48m11s
